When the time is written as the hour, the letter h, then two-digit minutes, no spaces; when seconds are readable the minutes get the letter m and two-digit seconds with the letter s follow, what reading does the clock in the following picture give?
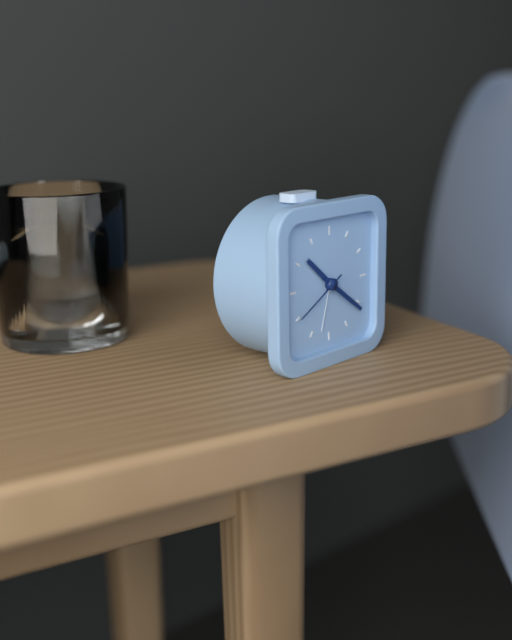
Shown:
10h21m40s
